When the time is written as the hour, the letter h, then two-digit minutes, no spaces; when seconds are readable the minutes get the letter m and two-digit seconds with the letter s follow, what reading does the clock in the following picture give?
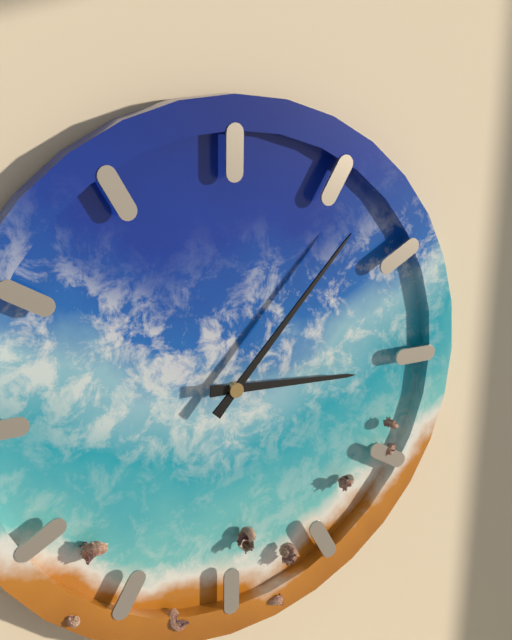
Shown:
3h07
